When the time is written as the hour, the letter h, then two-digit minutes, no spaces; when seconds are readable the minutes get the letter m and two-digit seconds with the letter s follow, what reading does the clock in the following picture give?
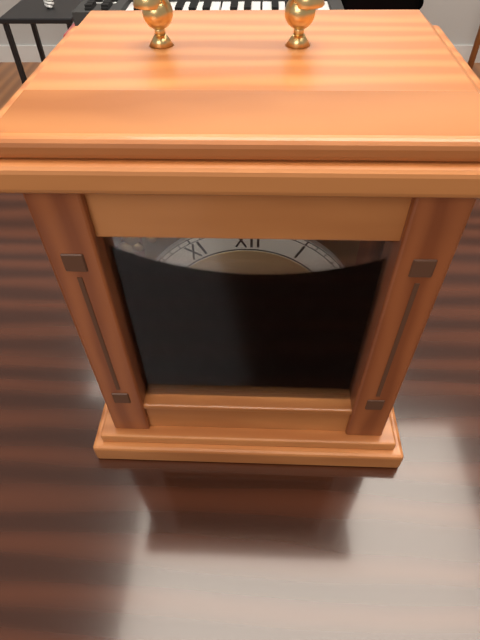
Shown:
4h40
